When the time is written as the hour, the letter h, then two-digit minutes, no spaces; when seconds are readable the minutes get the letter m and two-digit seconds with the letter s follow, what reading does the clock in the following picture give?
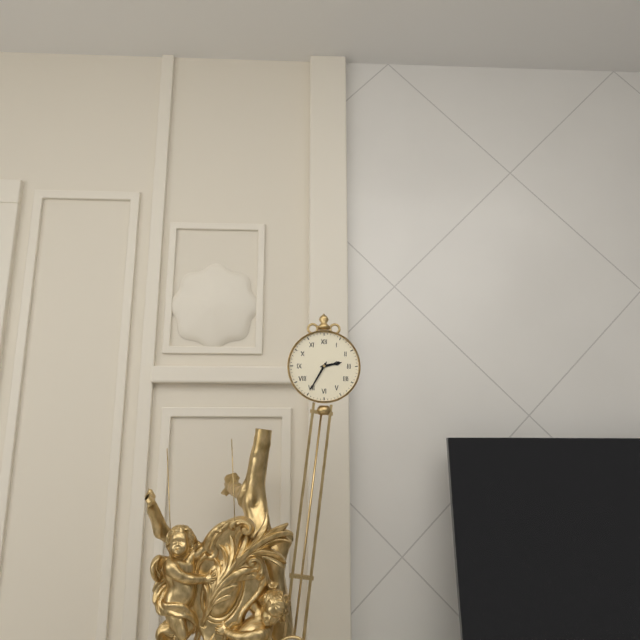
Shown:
2h35
